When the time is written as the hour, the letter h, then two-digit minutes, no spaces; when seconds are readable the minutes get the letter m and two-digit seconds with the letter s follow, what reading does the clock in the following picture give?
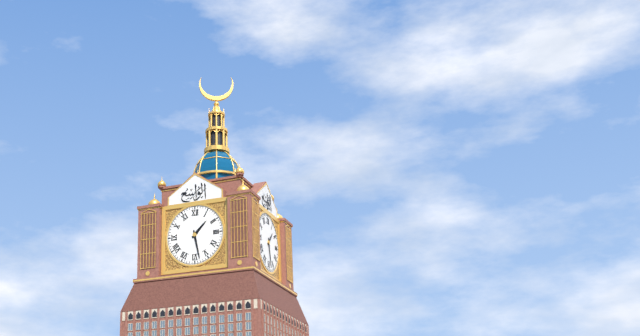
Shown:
1h28
